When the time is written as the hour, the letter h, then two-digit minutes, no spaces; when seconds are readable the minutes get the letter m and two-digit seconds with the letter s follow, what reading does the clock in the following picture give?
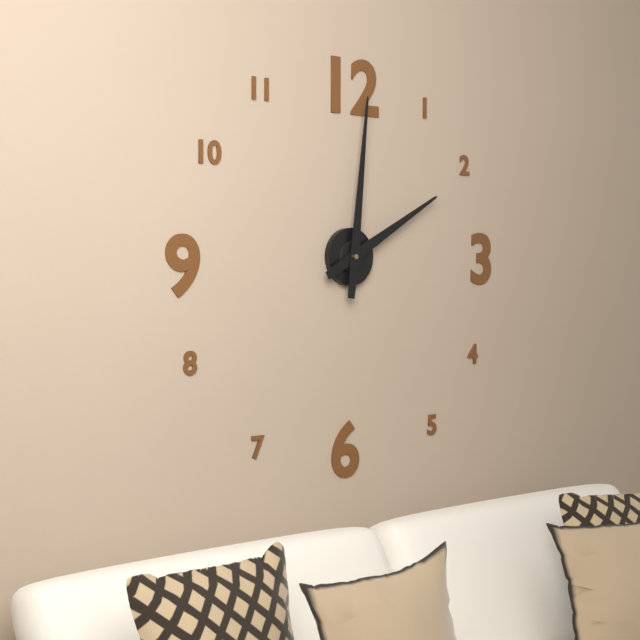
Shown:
2h01
